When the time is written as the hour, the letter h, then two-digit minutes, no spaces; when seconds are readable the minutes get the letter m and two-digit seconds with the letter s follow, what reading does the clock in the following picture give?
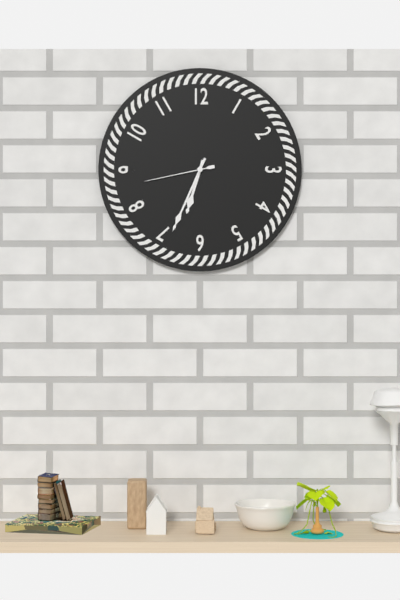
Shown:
6h34m43s
